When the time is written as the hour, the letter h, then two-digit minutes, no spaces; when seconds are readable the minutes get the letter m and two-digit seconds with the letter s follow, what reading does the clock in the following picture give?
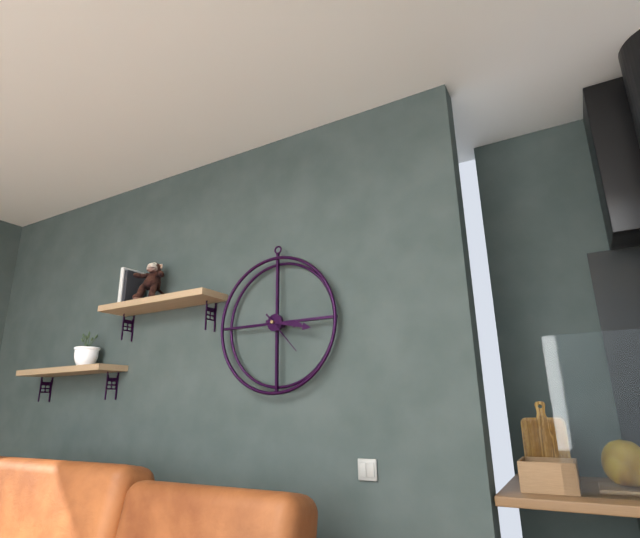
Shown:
3h17
